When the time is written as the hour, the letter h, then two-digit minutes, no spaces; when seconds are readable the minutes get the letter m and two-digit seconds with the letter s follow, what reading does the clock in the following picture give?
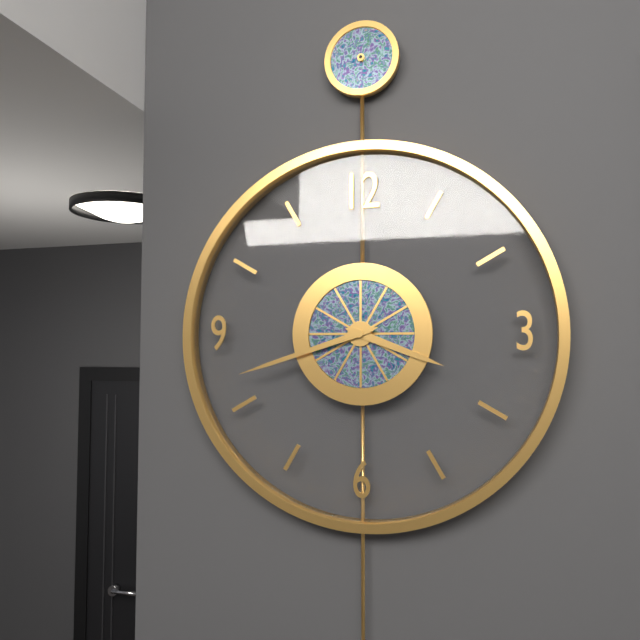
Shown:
3h42
